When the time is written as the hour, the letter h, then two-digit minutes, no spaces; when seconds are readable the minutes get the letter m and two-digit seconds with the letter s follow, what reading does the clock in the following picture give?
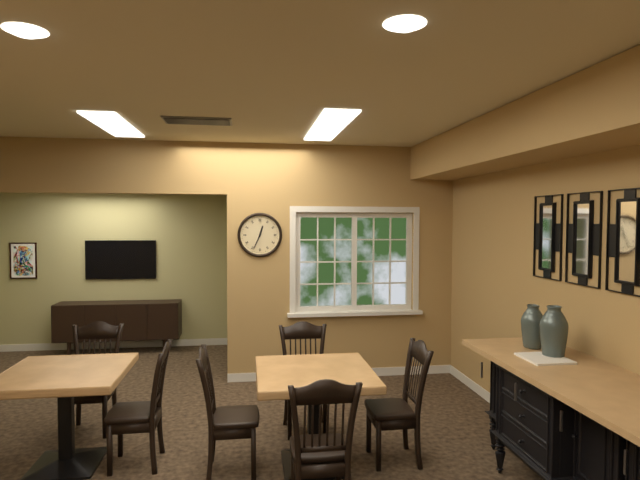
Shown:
12h34
